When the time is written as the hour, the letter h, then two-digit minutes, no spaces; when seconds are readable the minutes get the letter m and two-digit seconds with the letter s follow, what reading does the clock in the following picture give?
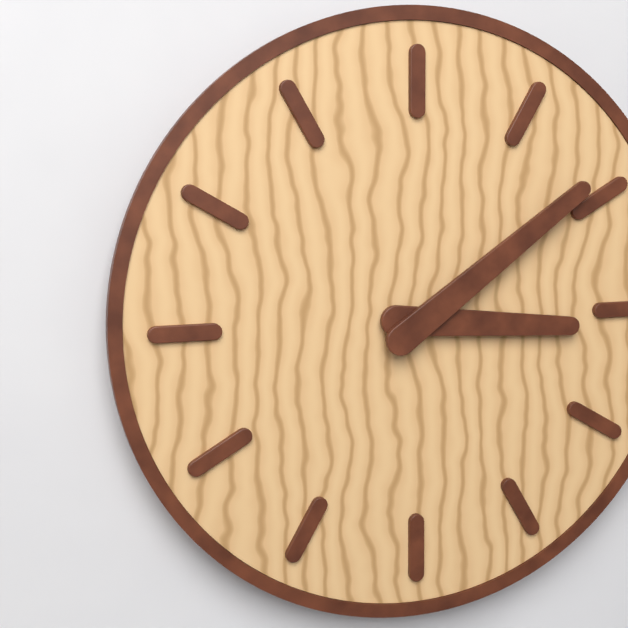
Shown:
3h09
